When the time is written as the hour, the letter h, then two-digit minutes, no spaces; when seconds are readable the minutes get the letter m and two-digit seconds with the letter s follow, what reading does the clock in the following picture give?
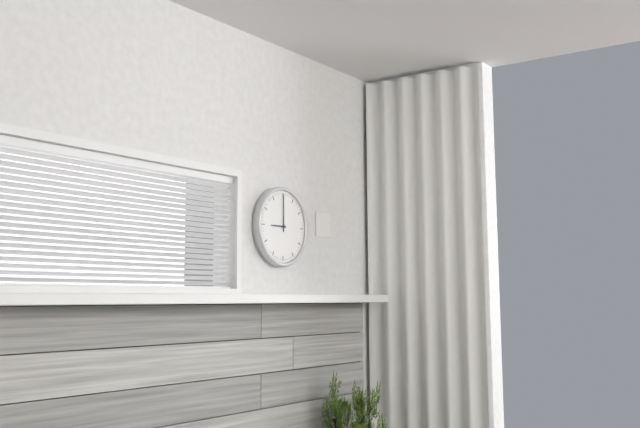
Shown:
9h00
